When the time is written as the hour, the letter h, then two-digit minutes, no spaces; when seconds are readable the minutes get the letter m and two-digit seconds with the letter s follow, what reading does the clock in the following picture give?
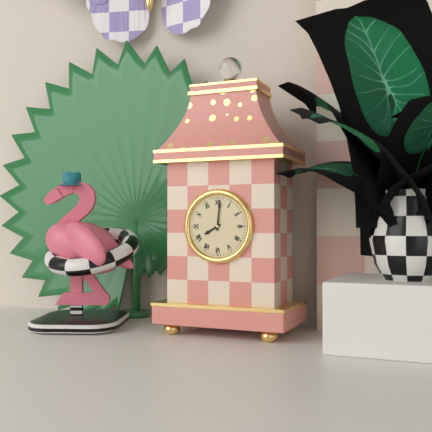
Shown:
8h01
